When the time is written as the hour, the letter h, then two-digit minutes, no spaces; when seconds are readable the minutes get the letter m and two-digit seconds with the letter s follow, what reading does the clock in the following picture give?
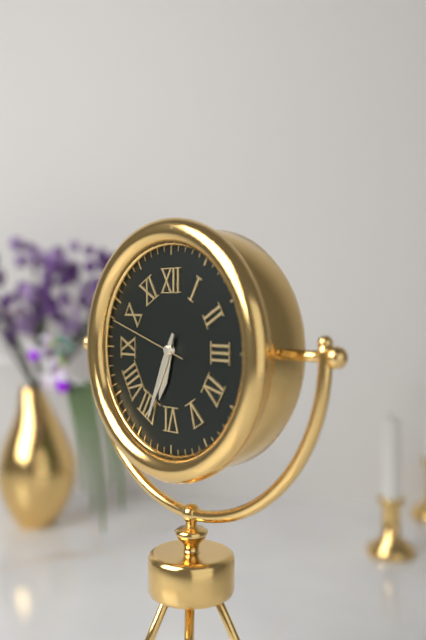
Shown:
6h34m48s
